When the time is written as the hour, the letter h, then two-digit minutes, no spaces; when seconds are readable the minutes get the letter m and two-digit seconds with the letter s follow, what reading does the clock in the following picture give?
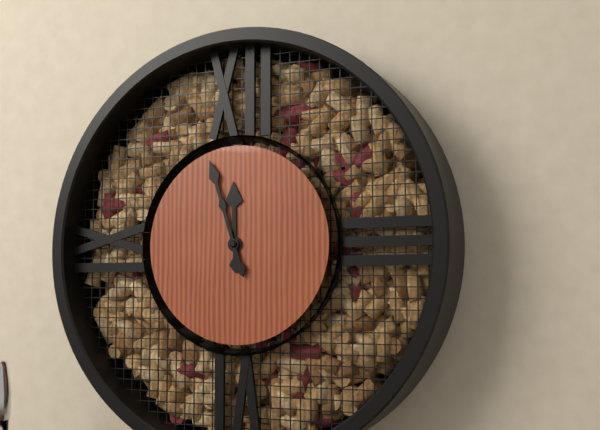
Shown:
11h57
